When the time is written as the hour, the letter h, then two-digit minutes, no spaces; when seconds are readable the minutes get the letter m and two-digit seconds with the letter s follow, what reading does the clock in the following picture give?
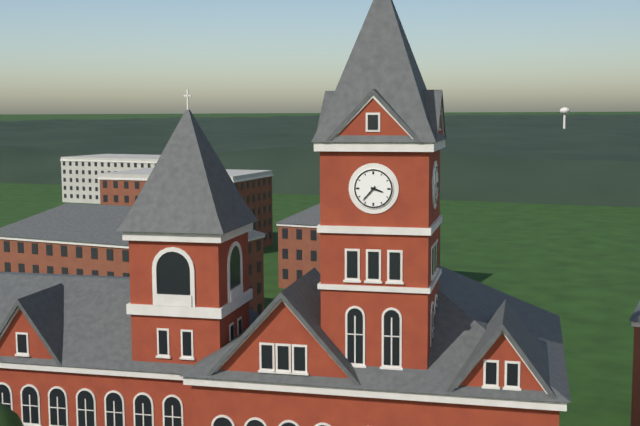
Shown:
3h37
